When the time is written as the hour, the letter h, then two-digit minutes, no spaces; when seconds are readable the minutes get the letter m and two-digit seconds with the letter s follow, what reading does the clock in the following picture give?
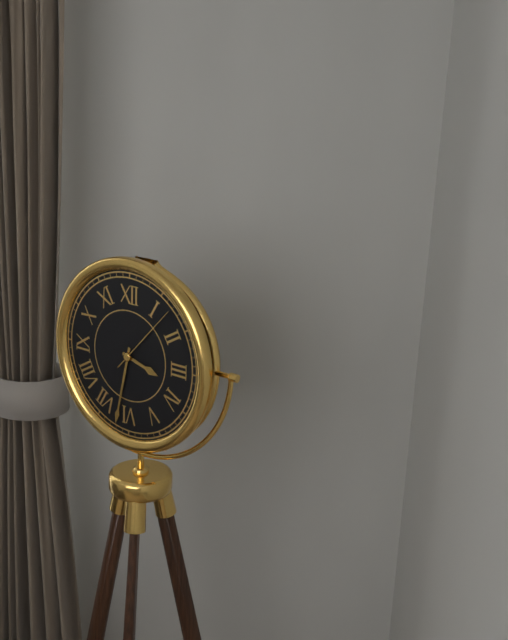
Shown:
3h32m07s
